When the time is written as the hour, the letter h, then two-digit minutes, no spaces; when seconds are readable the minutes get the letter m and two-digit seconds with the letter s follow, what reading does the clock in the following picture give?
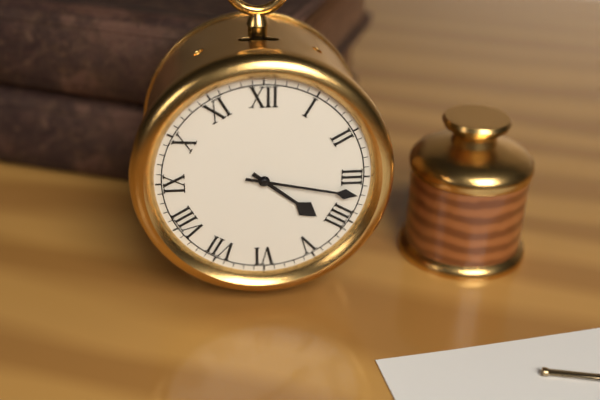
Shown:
4h17
